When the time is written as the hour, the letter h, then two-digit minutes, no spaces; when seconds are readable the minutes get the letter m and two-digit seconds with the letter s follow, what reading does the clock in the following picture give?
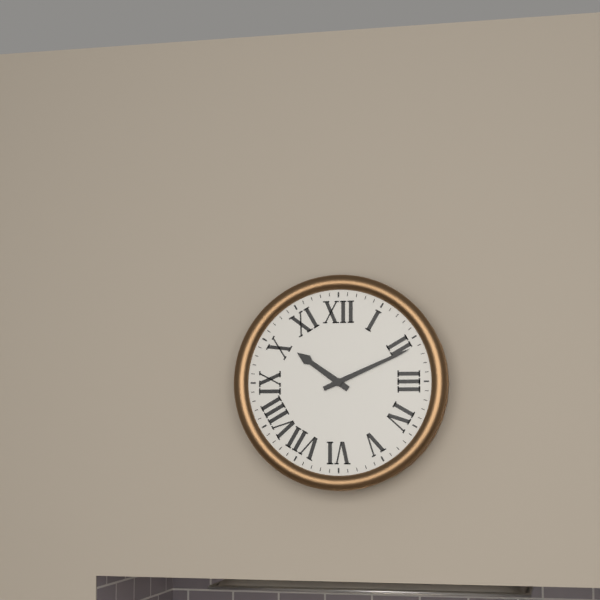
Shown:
10h11
